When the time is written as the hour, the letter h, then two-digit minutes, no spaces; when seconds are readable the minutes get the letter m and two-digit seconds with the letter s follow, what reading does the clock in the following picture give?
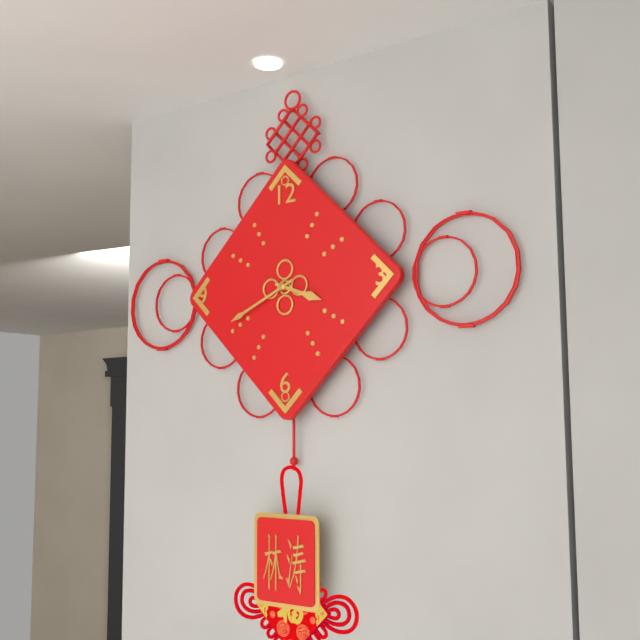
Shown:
3h41
